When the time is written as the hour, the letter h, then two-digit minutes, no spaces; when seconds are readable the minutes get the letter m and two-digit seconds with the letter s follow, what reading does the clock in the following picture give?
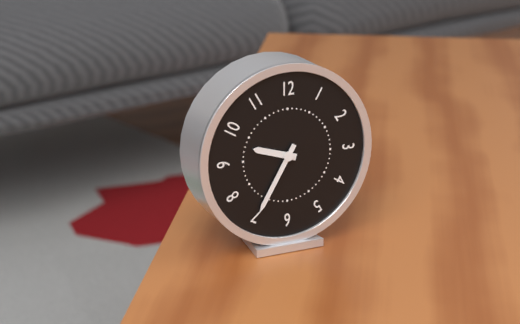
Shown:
9h35
